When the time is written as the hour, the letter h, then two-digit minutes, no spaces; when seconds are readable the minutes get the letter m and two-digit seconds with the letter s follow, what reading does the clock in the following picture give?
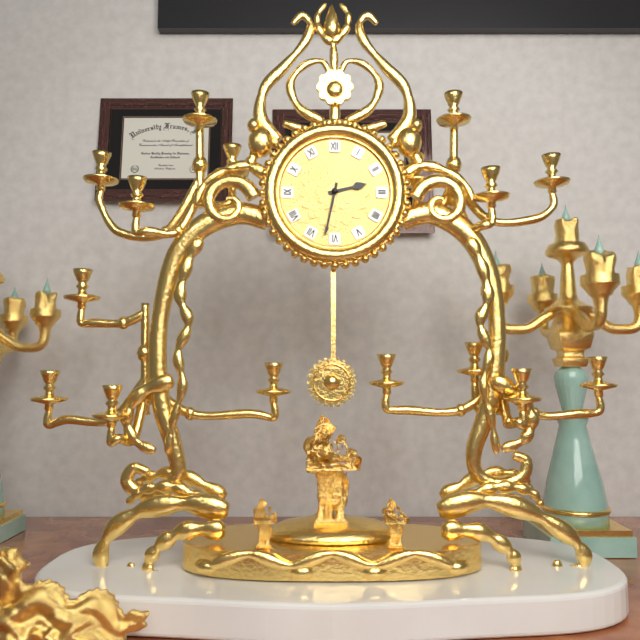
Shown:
2h32
